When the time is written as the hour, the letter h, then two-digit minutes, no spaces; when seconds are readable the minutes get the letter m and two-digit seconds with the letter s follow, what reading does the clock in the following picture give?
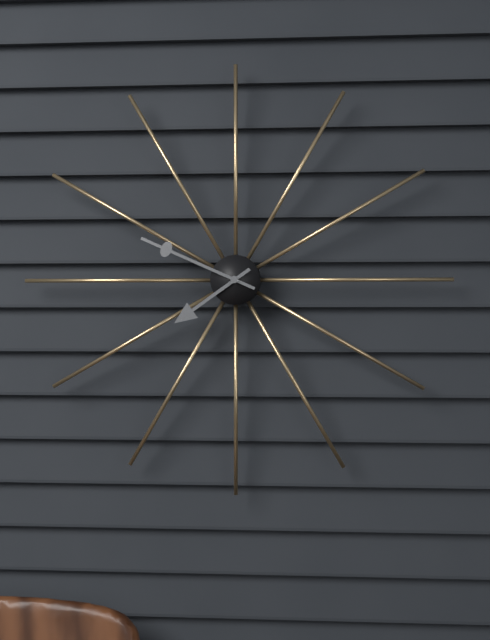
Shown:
7h49
